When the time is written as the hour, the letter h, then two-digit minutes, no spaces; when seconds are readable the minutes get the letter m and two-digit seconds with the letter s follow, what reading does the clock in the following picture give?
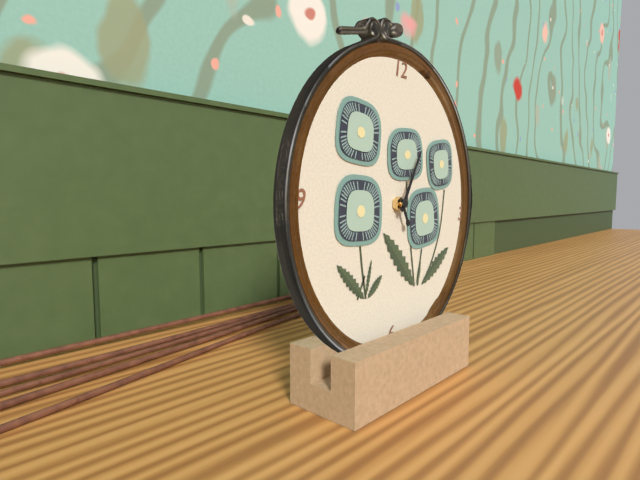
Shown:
5h05
